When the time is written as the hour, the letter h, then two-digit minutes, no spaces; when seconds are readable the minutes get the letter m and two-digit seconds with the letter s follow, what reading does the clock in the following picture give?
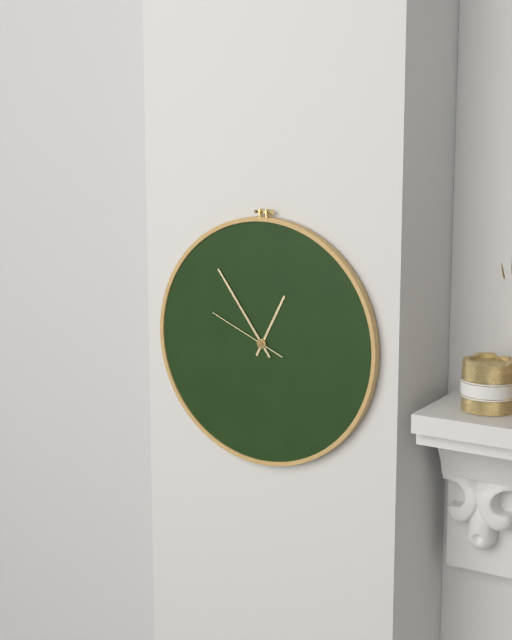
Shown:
12h54m49s
